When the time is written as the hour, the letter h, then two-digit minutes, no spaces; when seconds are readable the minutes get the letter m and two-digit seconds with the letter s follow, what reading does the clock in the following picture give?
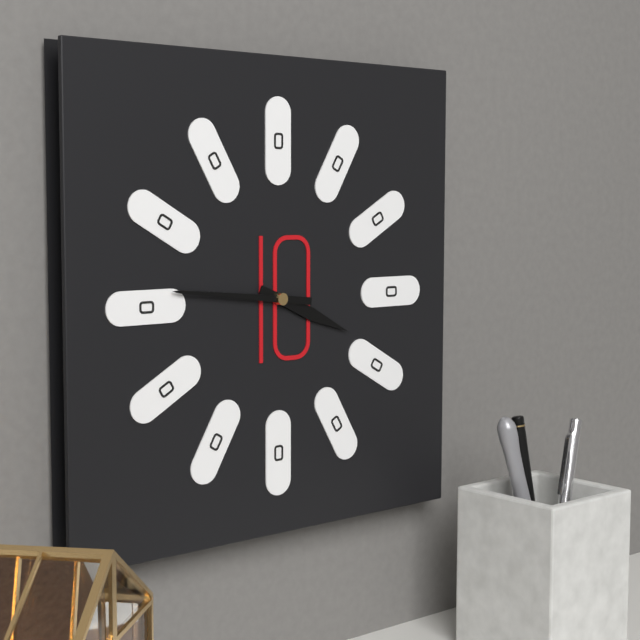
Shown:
3h46
